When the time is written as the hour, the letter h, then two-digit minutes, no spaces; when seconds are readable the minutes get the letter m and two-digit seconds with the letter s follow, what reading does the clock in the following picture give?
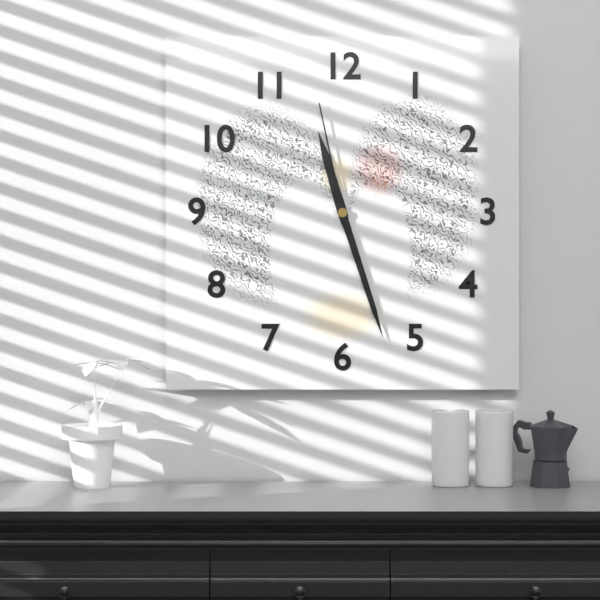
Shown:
11h27m58s
